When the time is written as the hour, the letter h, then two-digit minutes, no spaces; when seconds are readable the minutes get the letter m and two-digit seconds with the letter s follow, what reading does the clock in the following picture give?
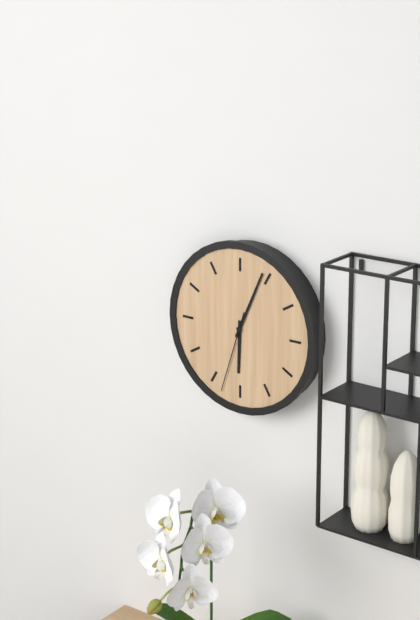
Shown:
6h04m33s
